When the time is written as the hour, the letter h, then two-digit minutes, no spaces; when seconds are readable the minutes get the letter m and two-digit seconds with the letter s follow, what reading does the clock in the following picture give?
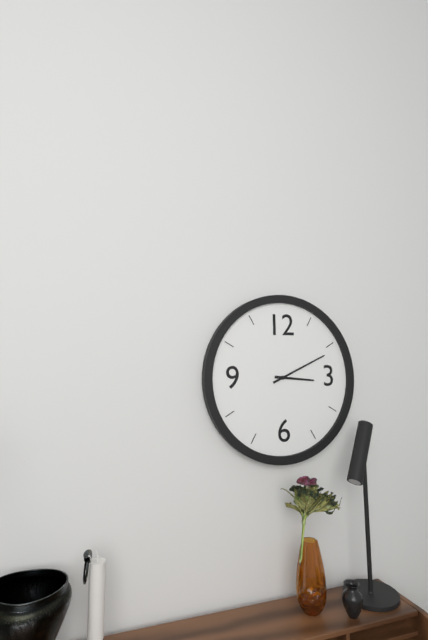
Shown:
3h11
